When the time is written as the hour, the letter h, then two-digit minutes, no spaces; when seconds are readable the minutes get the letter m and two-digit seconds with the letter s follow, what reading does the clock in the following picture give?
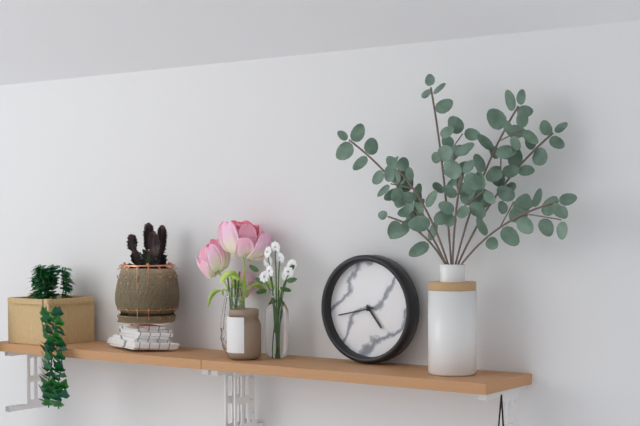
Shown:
4h43
